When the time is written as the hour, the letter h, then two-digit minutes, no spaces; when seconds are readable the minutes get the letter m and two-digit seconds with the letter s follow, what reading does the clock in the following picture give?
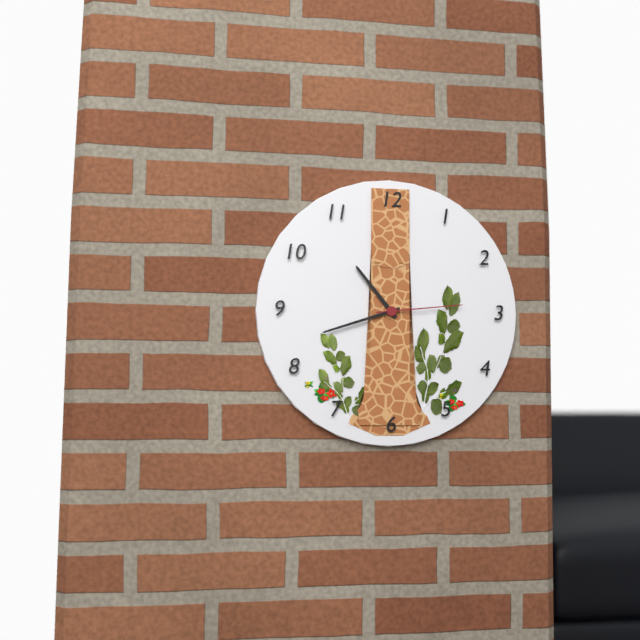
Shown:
10h42m14s
